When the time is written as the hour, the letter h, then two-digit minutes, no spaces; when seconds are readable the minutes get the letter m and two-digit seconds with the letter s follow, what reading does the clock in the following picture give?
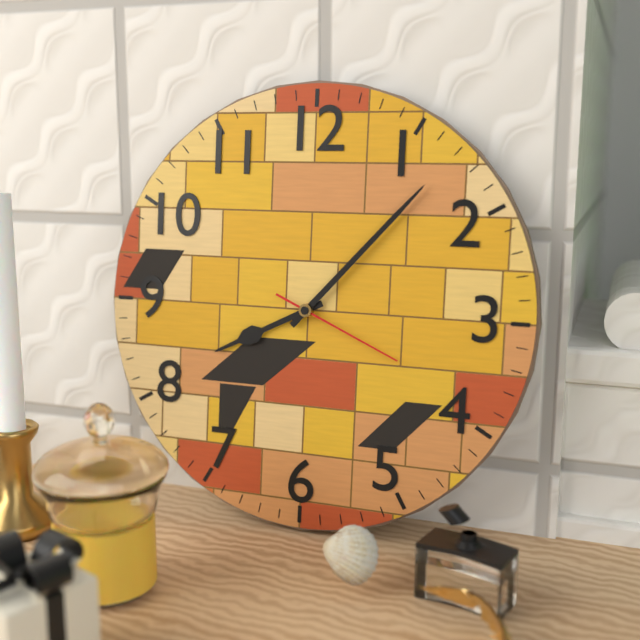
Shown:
8h07m19s
